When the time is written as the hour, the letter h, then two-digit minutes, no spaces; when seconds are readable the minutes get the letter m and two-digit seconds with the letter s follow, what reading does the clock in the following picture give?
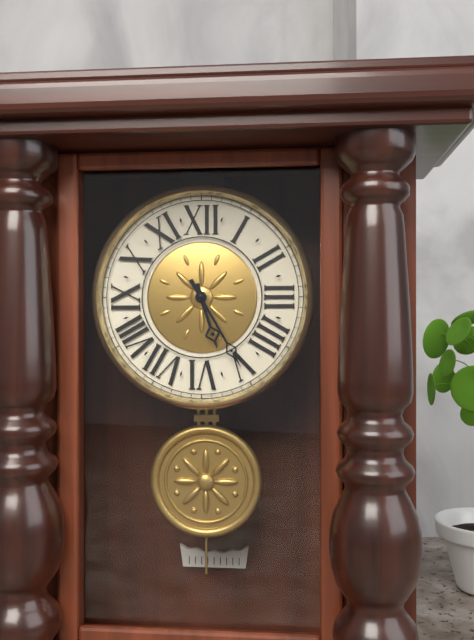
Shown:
5h25
